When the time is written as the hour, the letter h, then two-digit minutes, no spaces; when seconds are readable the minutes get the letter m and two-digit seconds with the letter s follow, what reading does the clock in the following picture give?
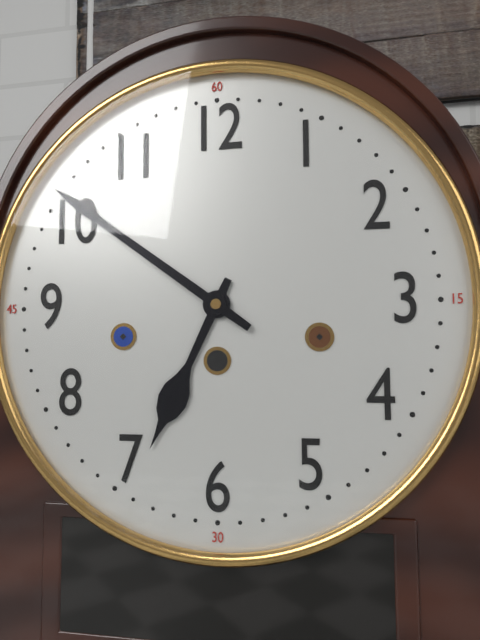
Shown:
6h51
